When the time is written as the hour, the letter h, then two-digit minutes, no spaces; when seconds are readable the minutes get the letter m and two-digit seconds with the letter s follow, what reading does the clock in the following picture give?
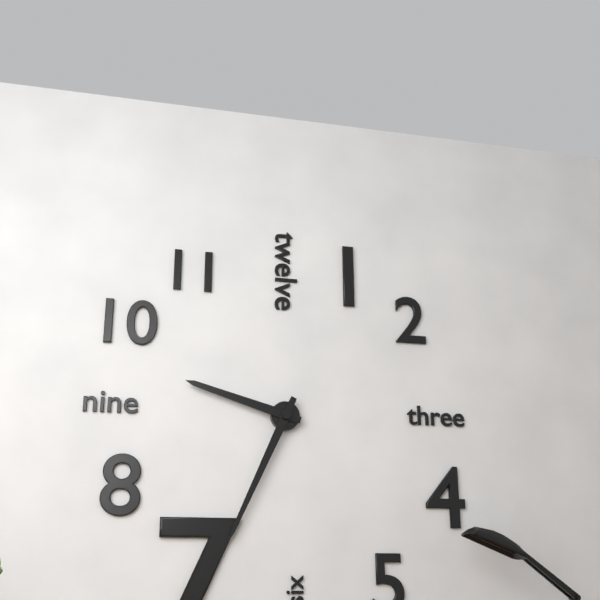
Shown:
9h34
